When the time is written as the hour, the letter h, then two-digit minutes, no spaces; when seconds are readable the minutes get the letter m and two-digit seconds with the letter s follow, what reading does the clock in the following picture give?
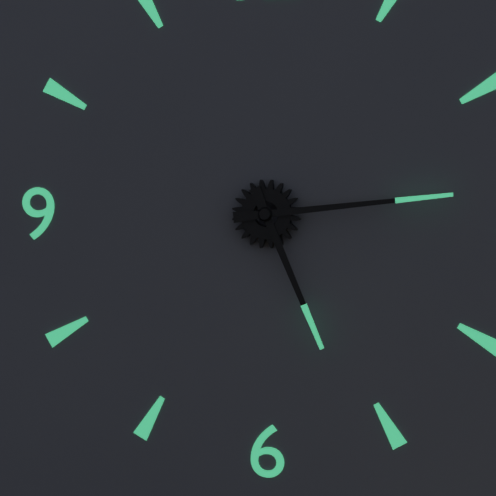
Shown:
5h14
